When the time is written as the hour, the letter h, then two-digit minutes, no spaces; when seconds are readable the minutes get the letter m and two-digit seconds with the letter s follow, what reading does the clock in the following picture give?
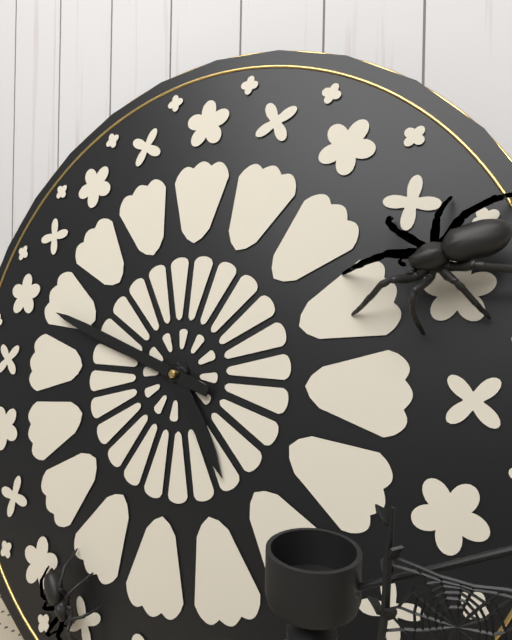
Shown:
4h48
